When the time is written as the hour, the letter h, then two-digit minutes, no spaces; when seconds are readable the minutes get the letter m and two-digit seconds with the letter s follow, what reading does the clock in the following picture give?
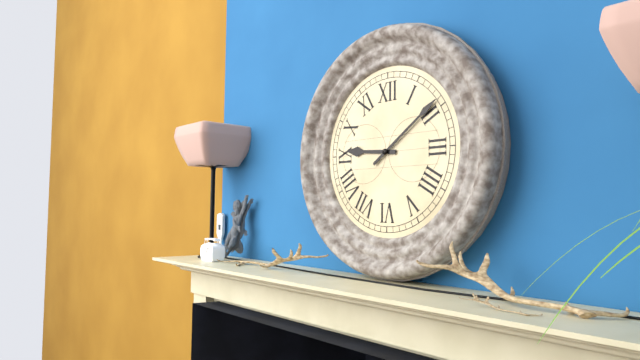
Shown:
9h09
